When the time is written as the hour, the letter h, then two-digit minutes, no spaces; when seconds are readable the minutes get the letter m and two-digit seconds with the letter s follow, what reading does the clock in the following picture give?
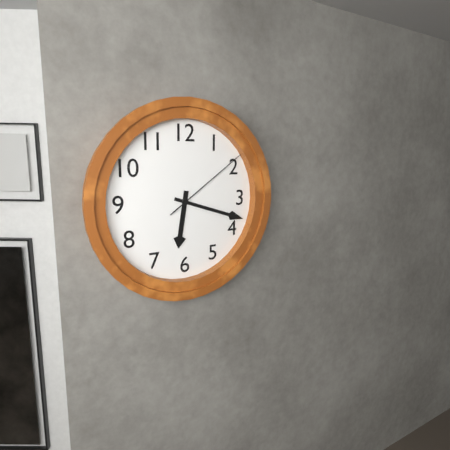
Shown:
6h18m09s
